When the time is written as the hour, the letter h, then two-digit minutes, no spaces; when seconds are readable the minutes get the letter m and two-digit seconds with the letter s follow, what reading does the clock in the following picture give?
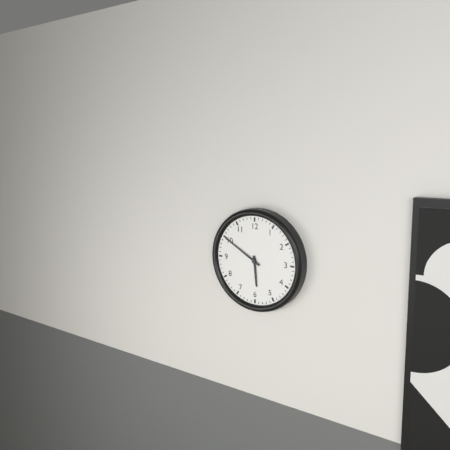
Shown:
5h50
